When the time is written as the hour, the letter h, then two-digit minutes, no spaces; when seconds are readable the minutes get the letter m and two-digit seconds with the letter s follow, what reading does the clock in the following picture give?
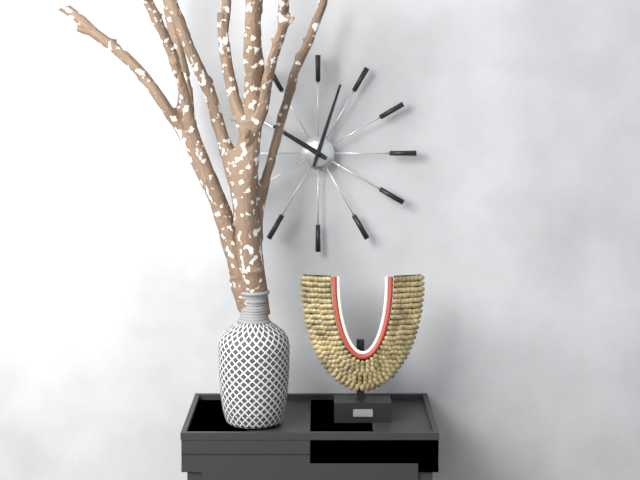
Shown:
10h03
